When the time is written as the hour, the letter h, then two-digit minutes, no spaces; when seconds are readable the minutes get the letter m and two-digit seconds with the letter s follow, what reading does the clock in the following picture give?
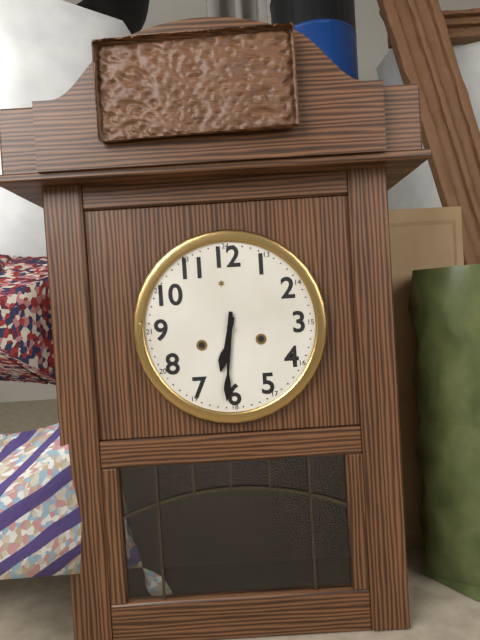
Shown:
6h31
